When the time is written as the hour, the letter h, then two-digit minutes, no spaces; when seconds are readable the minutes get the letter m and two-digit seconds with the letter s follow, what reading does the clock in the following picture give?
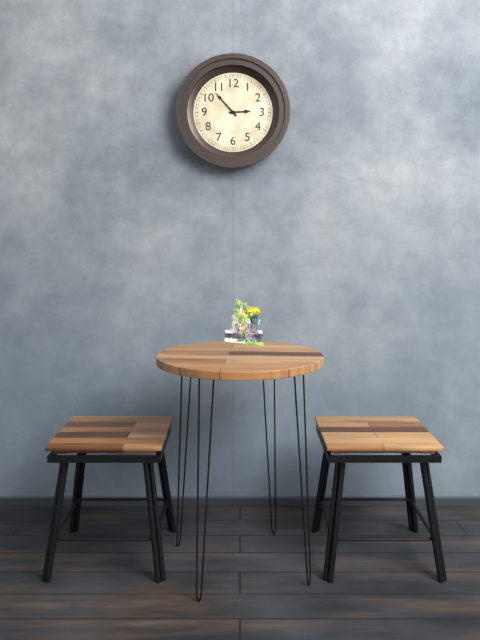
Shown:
2h53
